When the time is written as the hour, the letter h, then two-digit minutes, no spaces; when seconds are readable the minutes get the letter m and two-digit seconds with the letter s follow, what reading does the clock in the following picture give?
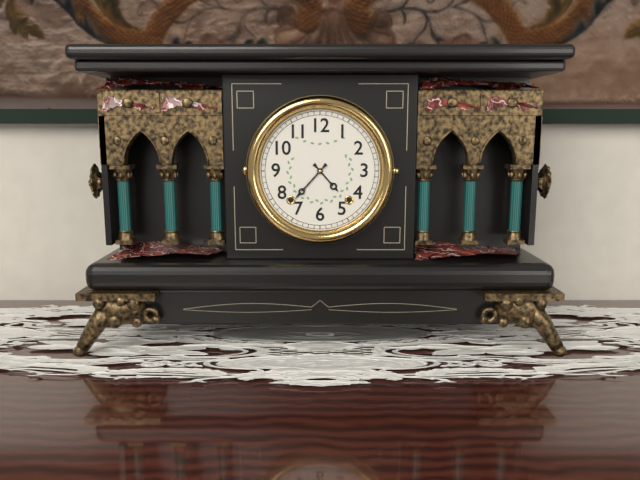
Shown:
4h37
